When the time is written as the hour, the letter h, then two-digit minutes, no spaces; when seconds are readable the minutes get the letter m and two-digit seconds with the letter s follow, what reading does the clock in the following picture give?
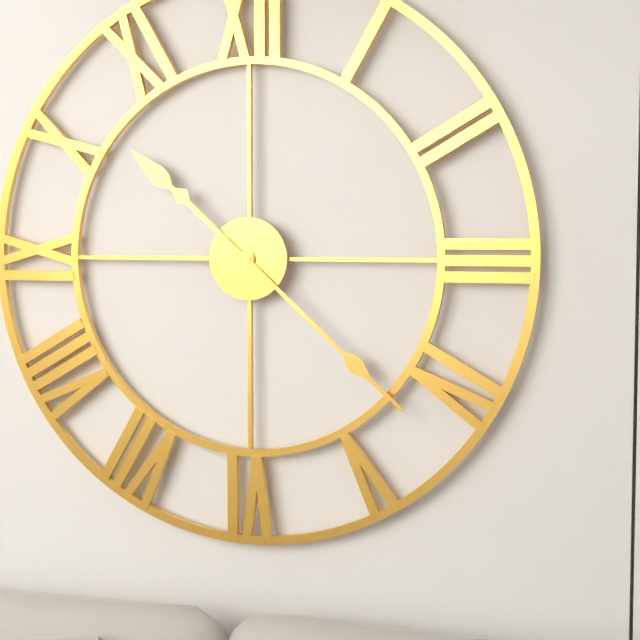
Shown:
10h22
